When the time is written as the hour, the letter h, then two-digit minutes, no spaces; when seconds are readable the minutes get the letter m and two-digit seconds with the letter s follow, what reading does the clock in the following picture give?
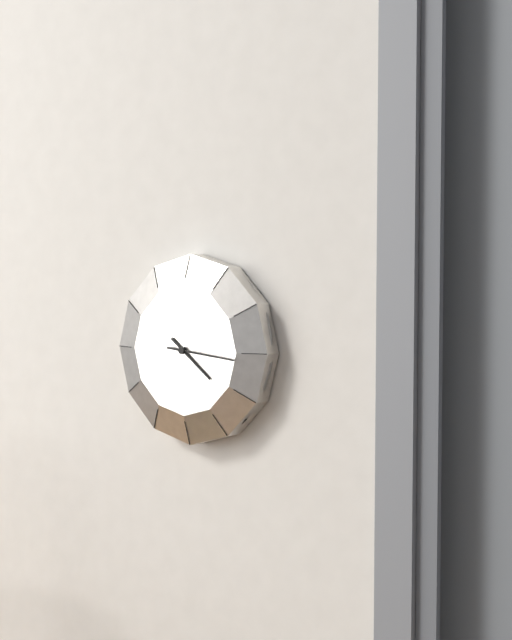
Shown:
4h16
